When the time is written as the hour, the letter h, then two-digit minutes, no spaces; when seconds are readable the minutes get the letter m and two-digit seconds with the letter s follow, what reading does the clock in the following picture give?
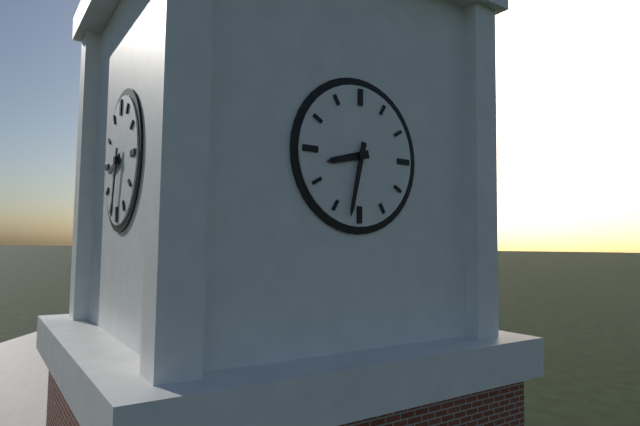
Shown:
8h32
